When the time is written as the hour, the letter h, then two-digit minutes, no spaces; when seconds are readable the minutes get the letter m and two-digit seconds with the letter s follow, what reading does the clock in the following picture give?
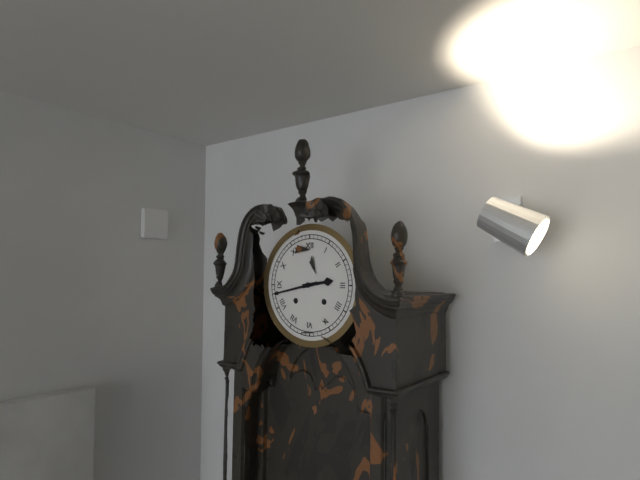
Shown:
2h43
